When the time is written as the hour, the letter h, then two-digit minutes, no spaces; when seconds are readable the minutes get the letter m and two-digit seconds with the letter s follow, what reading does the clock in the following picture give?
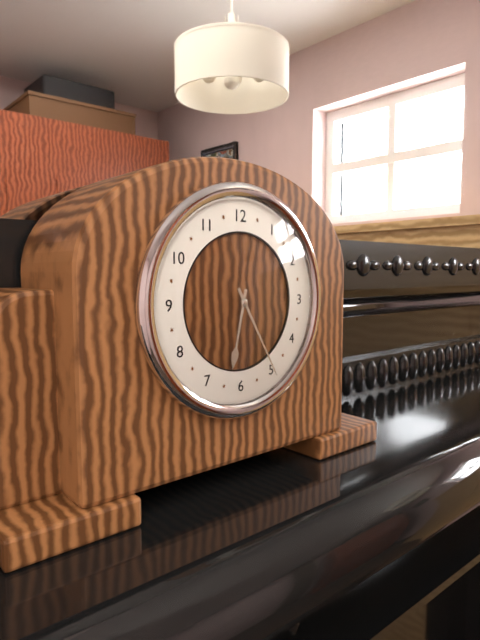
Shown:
6h25
